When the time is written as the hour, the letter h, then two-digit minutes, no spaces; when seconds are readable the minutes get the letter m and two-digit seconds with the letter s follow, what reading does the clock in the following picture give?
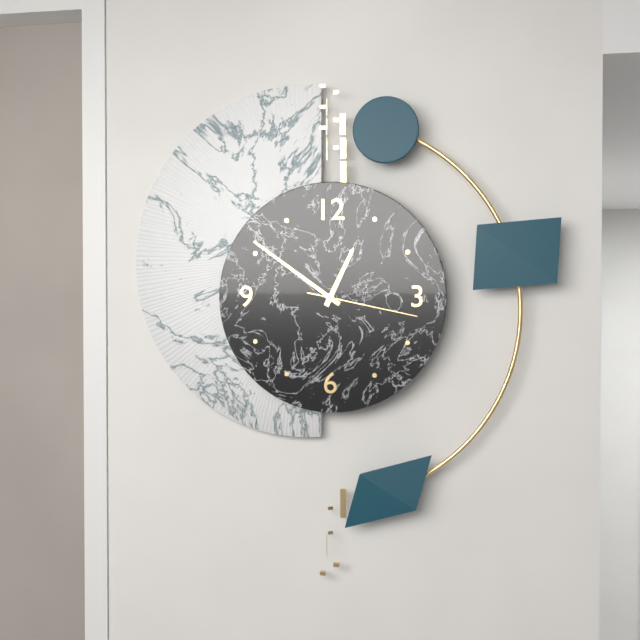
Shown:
12h51m17s
